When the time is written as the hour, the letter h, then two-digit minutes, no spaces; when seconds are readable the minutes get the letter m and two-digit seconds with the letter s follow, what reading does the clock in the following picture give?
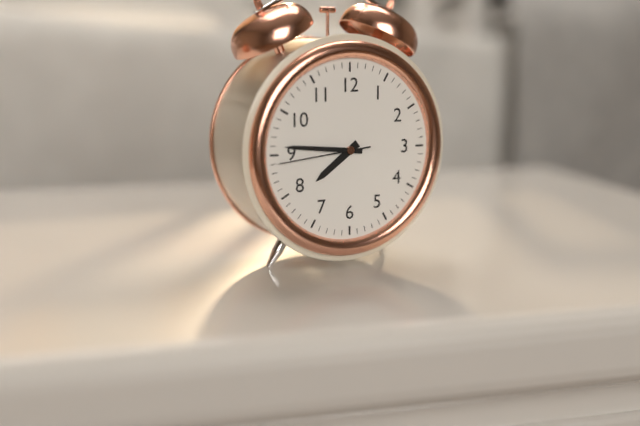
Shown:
7h46m44s
